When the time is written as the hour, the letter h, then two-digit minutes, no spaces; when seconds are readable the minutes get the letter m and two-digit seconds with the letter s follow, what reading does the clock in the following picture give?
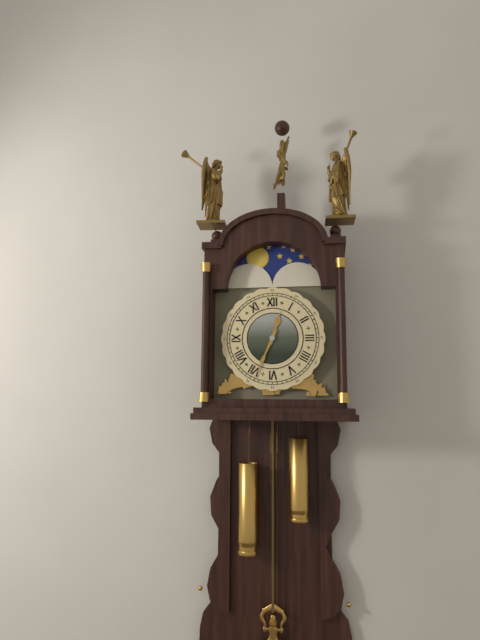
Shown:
12h34
